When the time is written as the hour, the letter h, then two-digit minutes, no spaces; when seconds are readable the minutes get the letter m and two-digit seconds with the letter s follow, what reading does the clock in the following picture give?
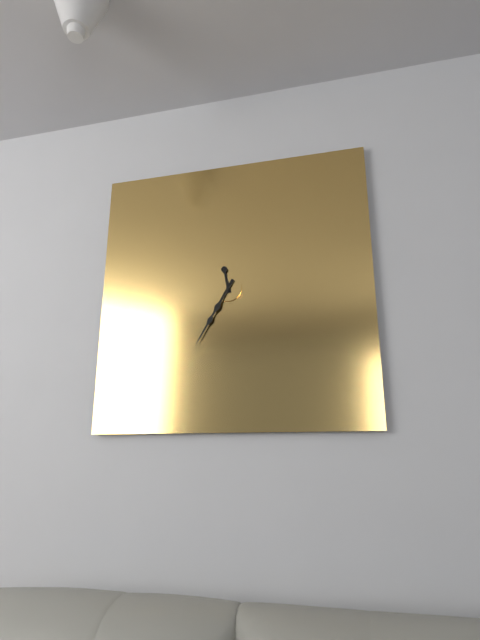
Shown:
11h35
